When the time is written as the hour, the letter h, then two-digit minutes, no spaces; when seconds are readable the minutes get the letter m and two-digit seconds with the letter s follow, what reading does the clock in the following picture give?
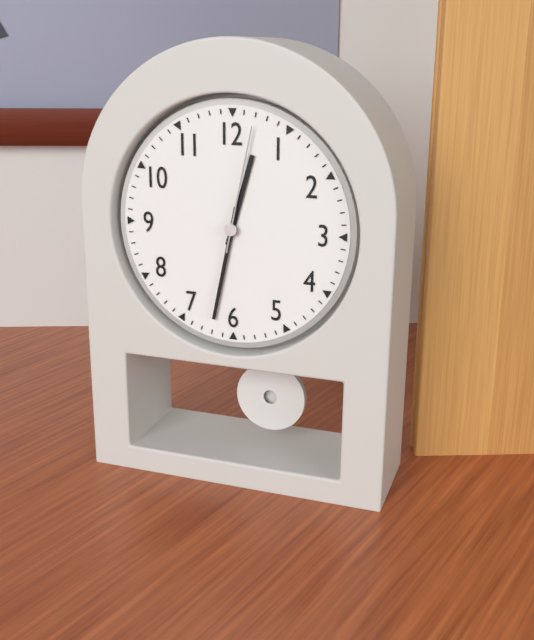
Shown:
12h32m02s
